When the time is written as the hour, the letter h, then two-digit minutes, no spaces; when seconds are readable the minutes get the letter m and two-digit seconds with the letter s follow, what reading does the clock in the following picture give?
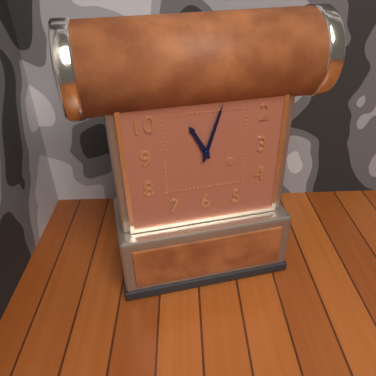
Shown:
11h03
